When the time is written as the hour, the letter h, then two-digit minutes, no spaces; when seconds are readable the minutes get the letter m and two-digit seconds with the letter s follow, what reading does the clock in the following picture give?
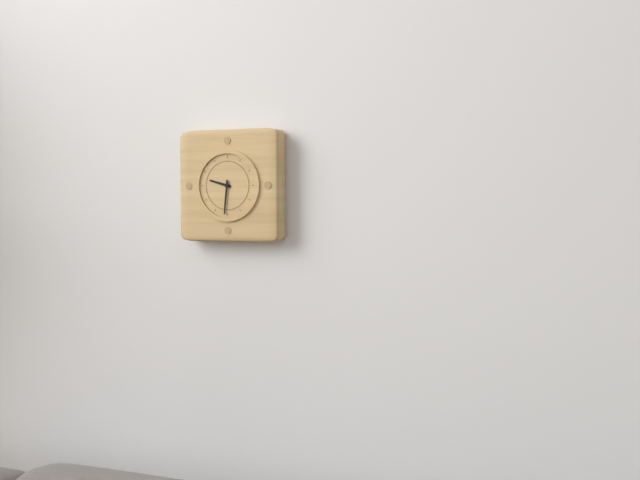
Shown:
9h31
